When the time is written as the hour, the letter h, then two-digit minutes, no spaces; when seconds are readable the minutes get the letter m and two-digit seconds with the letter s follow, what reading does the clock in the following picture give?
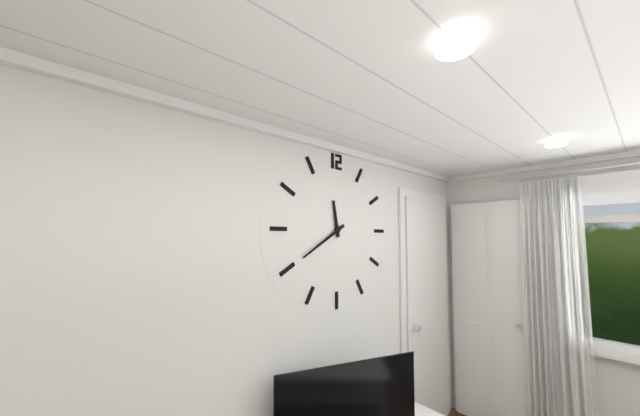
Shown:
11h40
